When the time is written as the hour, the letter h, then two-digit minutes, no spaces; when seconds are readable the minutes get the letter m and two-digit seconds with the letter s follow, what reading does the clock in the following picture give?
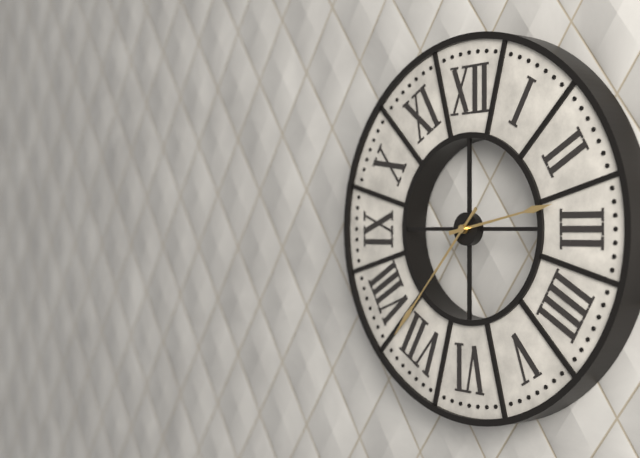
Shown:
2h37
